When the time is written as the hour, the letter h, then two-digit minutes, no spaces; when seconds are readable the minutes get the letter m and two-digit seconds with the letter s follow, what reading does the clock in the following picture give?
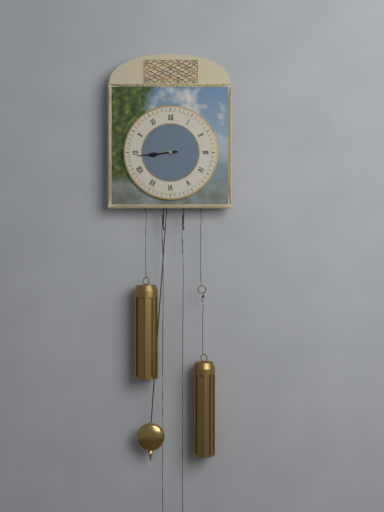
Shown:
8h44
